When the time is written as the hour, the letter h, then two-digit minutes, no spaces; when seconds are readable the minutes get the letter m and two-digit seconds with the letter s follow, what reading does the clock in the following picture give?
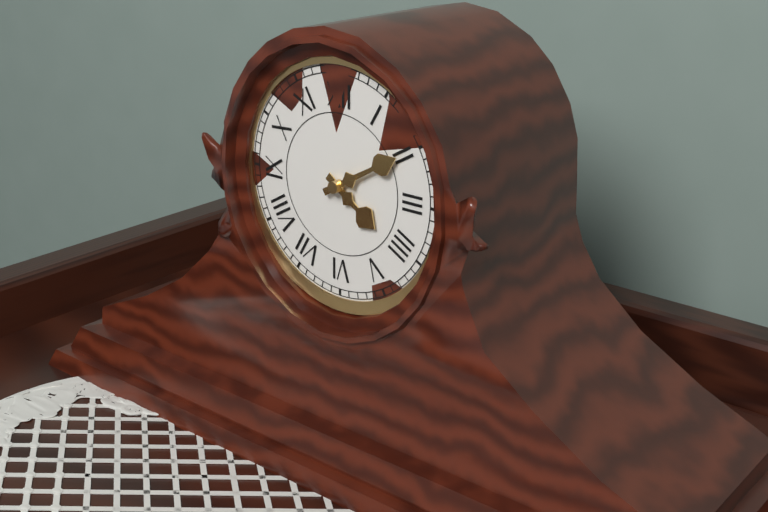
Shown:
4h10
